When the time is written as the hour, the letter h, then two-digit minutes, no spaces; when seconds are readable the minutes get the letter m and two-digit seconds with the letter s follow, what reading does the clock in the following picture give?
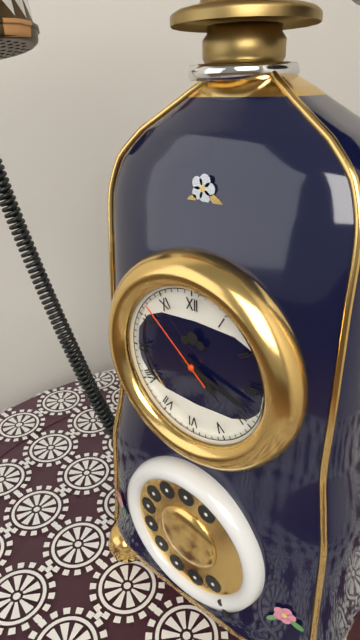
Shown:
4h18m52s
